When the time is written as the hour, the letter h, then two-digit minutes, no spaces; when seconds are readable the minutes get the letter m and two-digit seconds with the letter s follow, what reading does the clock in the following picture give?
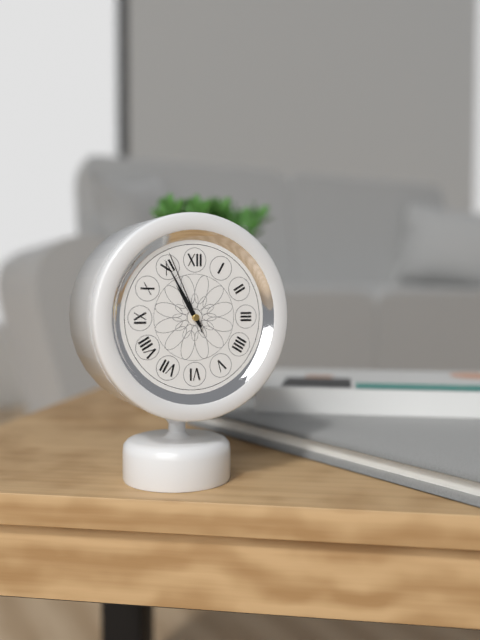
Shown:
10h55m56s
